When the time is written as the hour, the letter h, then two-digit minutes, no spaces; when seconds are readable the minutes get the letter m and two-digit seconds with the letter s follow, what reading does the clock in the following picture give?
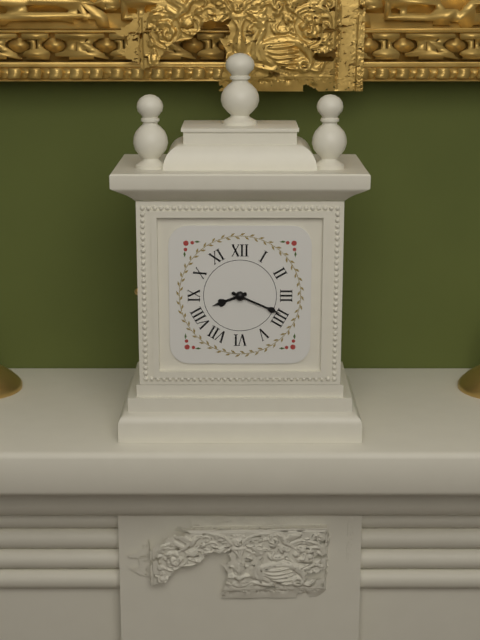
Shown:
8h19
